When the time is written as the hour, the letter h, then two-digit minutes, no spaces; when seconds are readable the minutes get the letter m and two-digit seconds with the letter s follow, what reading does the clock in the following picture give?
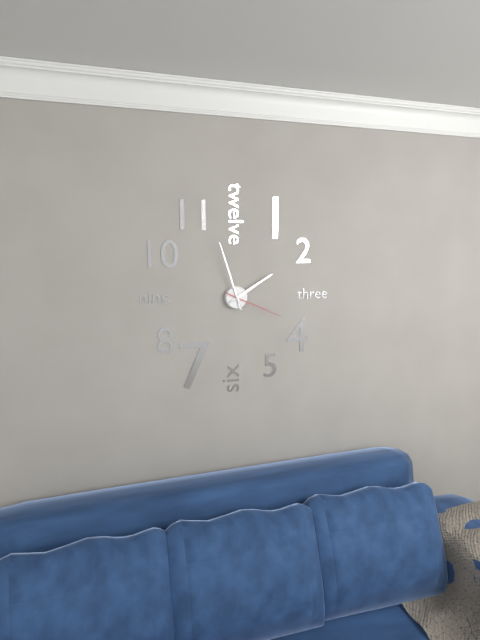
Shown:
1h57m19s
